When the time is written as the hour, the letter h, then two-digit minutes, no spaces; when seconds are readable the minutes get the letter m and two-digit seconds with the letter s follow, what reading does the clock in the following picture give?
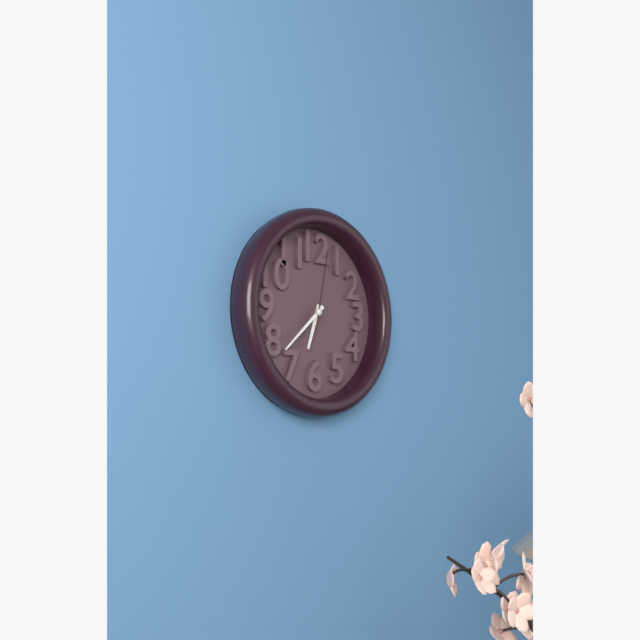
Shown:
6h38m02s
